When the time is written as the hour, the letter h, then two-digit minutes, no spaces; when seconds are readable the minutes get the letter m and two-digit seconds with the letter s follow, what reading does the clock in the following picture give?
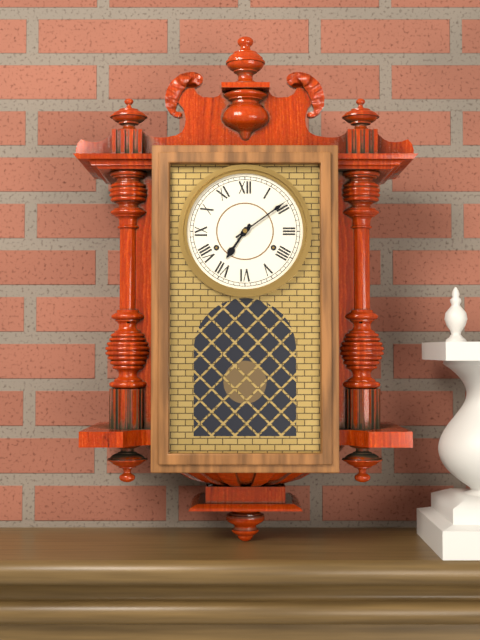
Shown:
7h09
